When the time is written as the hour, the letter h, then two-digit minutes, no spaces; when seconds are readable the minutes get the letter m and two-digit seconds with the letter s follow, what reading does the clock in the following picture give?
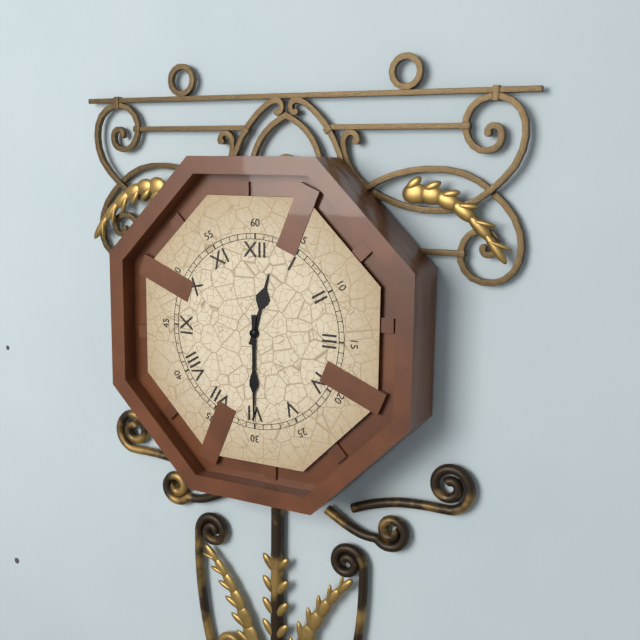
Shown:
12h30
